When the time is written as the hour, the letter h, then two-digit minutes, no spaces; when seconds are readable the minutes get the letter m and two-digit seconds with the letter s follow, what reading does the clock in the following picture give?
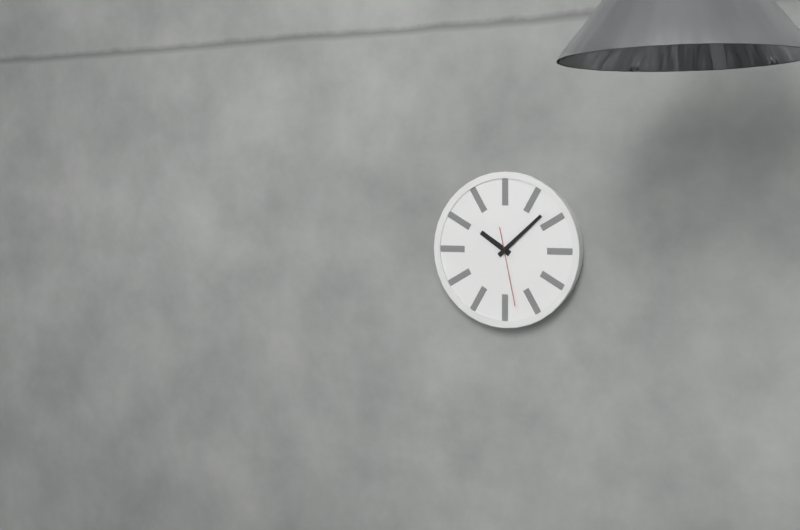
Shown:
10h08m28s
